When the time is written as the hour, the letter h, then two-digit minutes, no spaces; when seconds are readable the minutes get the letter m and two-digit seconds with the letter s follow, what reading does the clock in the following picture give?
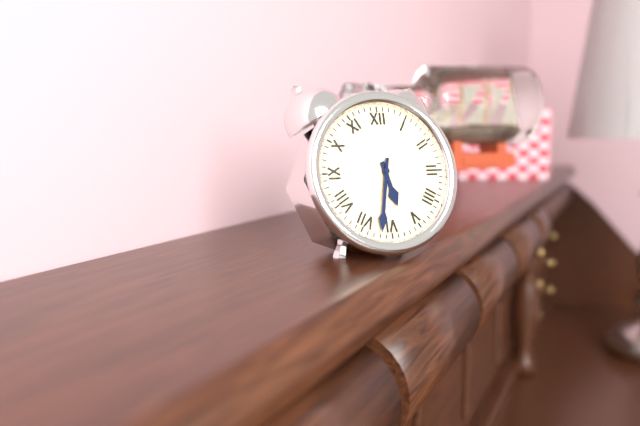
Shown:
5h32
